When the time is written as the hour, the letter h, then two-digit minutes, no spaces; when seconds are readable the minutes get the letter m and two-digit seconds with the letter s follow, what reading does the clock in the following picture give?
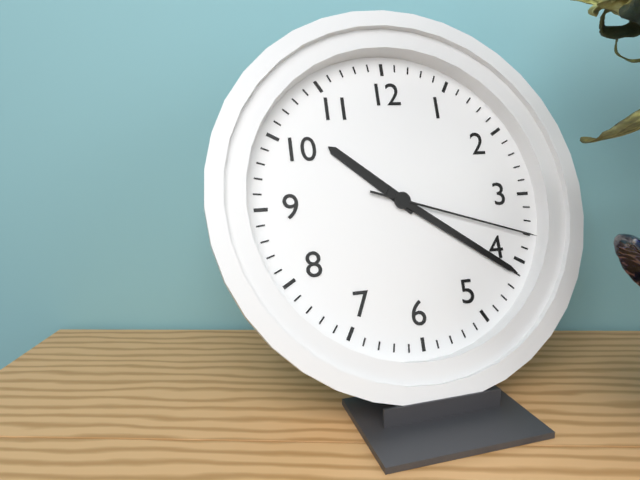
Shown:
10h21m18s
